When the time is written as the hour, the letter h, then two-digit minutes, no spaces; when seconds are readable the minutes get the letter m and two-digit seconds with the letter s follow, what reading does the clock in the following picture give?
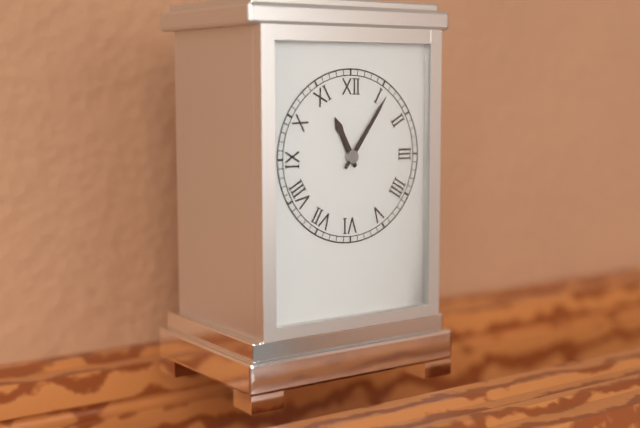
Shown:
11h06
